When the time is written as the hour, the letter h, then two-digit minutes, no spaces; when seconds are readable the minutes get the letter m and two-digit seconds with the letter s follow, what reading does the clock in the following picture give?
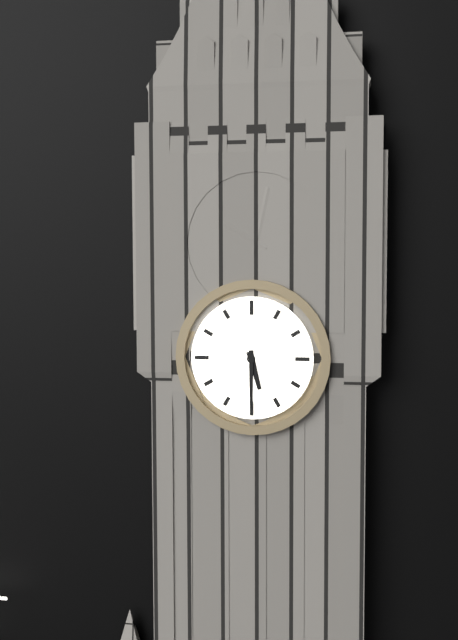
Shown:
5h30
